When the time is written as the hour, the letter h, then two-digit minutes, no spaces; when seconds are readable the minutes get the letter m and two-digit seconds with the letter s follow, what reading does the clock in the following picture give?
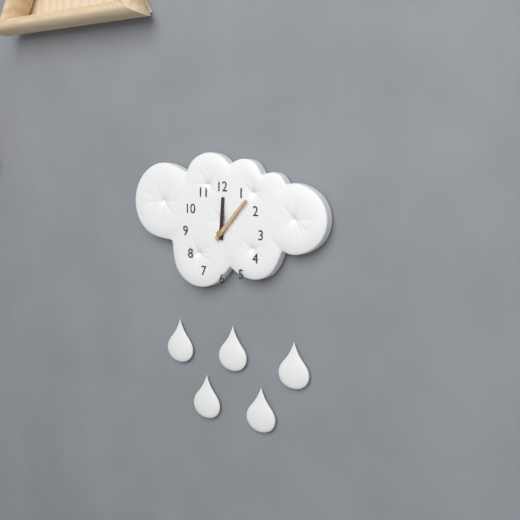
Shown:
12h07
